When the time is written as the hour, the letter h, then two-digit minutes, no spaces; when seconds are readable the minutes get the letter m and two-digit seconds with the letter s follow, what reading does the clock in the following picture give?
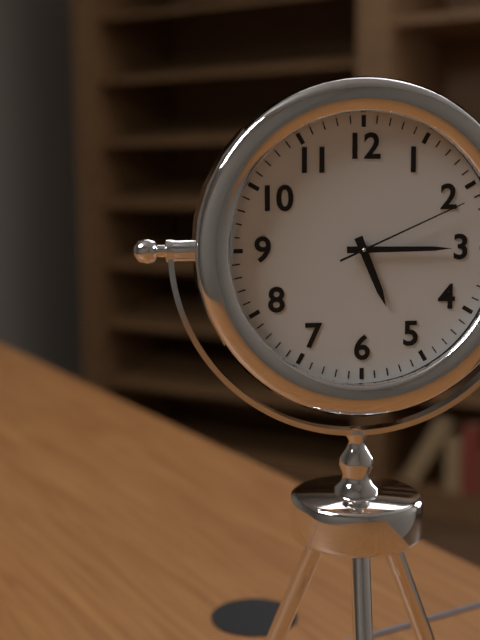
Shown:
5h15m11s
